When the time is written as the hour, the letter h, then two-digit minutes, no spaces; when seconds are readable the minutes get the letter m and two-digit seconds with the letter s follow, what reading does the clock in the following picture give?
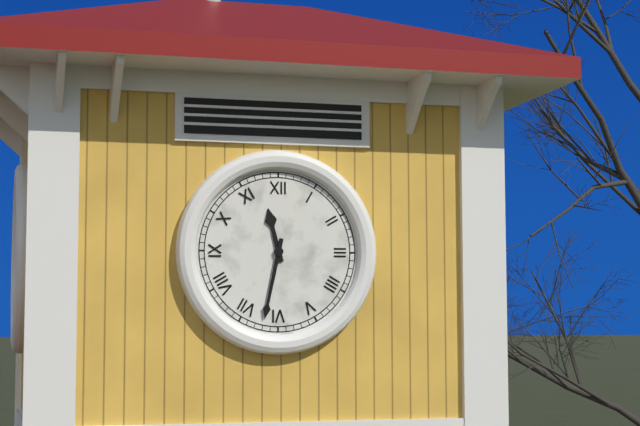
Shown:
11h32
